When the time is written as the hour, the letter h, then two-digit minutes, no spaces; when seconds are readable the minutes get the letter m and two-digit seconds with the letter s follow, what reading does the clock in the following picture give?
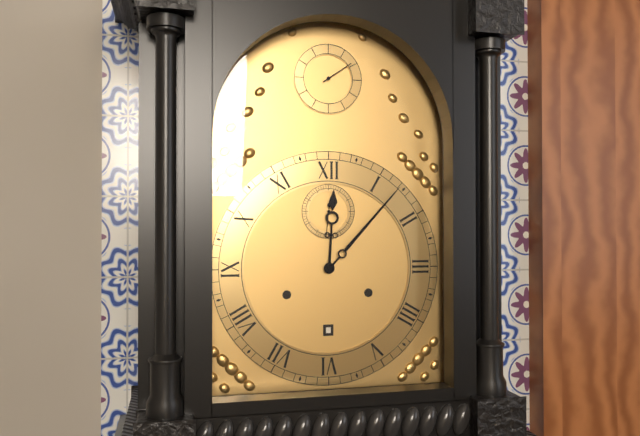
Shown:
12h07
